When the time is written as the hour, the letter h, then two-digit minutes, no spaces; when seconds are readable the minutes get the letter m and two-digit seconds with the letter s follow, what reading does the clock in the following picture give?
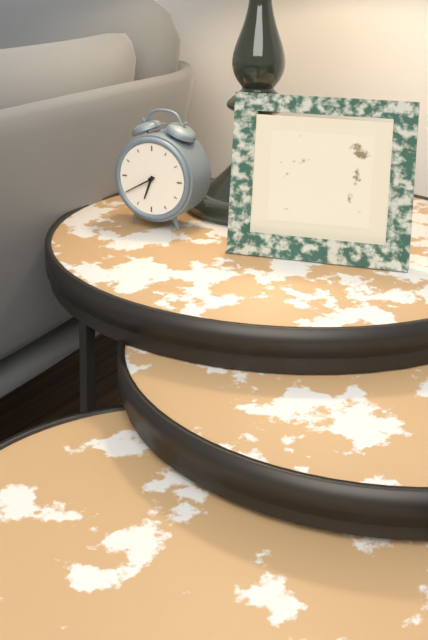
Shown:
6h40
